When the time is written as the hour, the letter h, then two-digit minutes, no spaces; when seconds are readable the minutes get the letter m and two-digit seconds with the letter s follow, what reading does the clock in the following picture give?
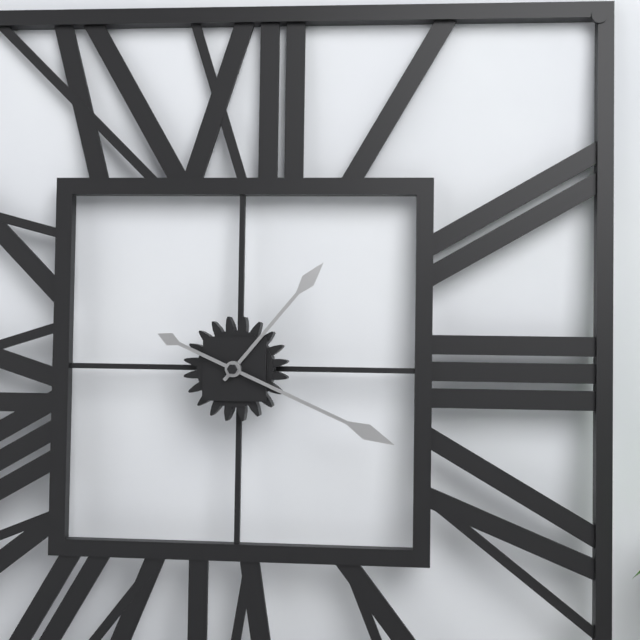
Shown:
1h19
